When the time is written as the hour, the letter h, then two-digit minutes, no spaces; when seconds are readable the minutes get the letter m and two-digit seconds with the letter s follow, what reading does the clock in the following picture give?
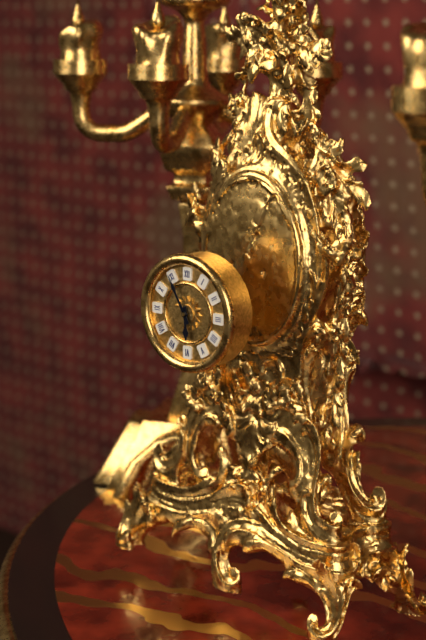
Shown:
5h55
